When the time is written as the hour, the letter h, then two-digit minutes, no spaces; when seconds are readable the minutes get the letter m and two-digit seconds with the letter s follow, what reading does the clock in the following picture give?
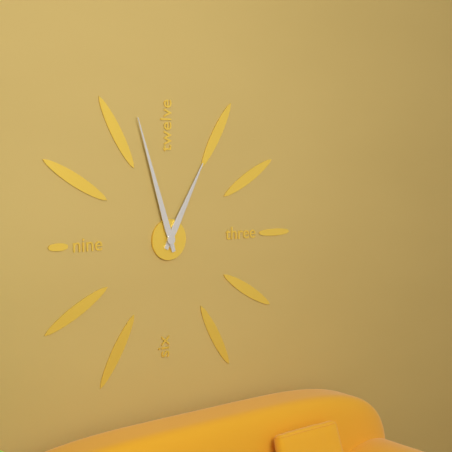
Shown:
12h57
